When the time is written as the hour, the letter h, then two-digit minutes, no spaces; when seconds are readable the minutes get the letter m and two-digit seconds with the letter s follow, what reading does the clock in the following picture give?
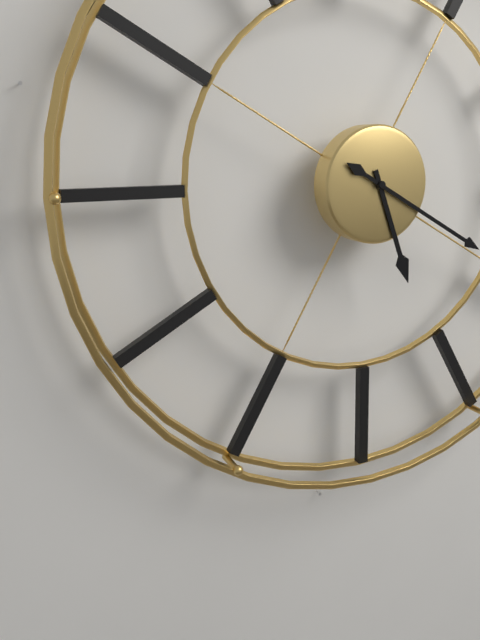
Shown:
5h20
